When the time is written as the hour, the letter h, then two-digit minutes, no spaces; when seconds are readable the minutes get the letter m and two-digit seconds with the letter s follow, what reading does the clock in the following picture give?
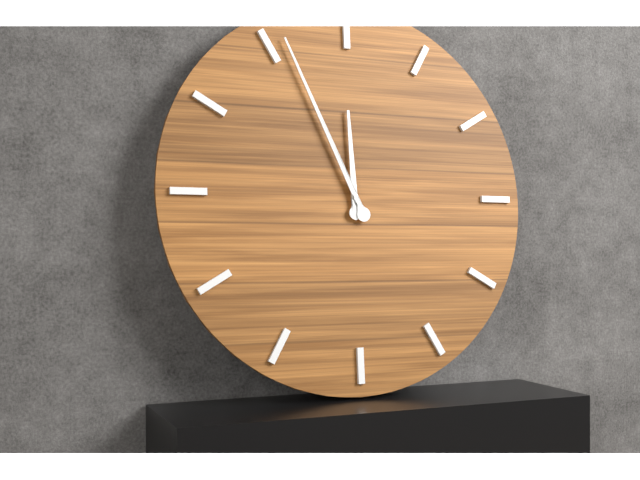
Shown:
11h56
